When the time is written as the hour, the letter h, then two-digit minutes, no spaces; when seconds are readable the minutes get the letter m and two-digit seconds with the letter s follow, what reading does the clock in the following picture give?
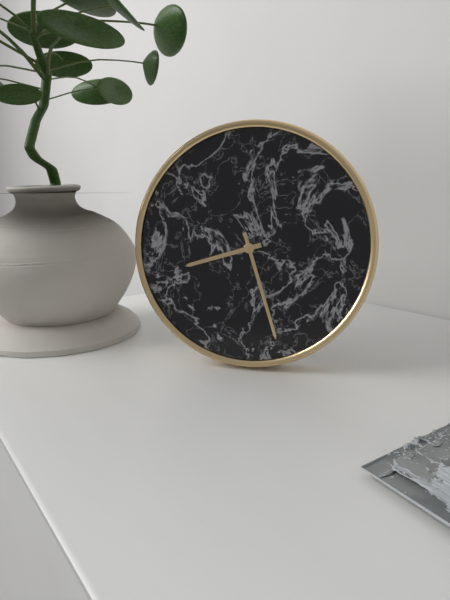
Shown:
8h27
